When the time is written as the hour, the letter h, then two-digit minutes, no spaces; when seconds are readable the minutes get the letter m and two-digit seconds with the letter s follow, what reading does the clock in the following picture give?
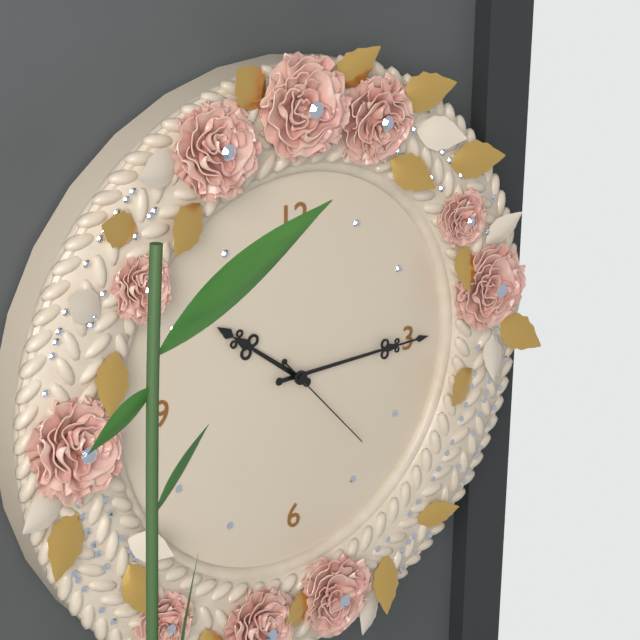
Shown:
10h15m23s
